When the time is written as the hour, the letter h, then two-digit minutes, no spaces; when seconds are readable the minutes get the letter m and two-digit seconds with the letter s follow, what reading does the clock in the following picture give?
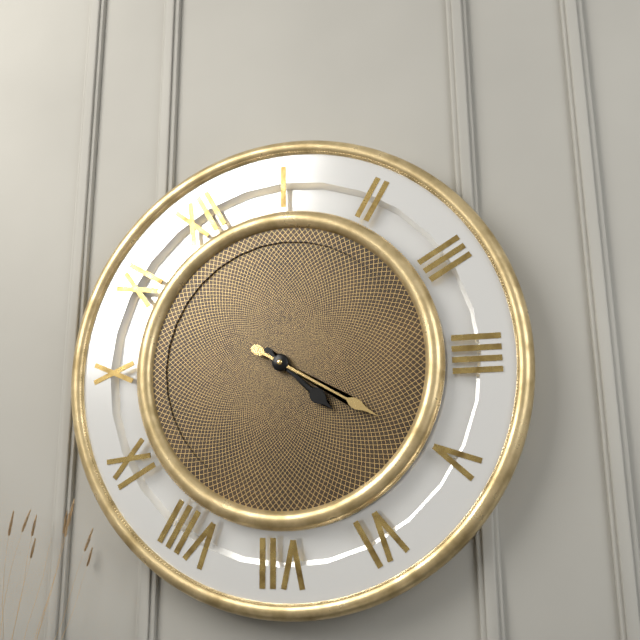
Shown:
5h25
